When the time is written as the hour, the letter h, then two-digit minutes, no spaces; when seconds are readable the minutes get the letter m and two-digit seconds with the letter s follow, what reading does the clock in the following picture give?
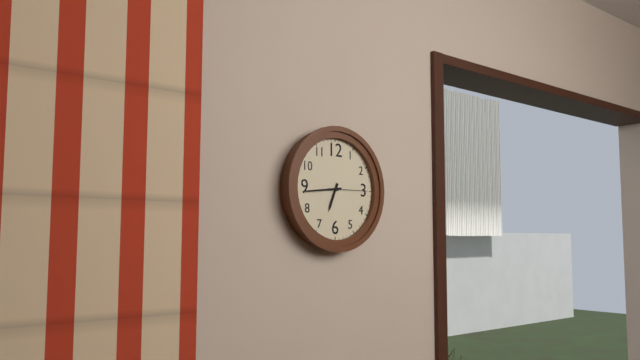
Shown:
6h44
